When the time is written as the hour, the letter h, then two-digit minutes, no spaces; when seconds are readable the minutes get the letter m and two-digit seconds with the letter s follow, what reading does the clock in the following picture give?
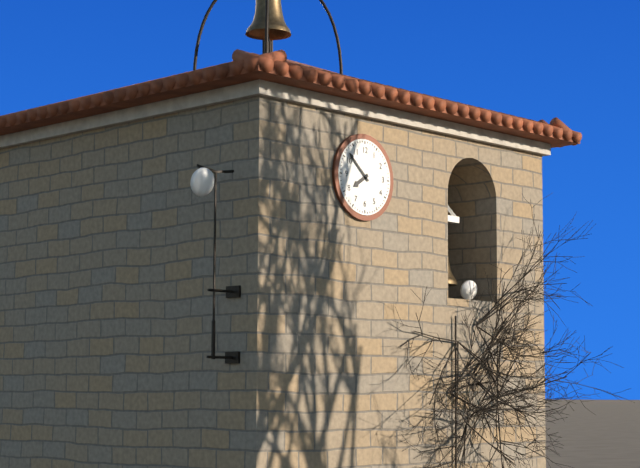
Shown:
7h52
